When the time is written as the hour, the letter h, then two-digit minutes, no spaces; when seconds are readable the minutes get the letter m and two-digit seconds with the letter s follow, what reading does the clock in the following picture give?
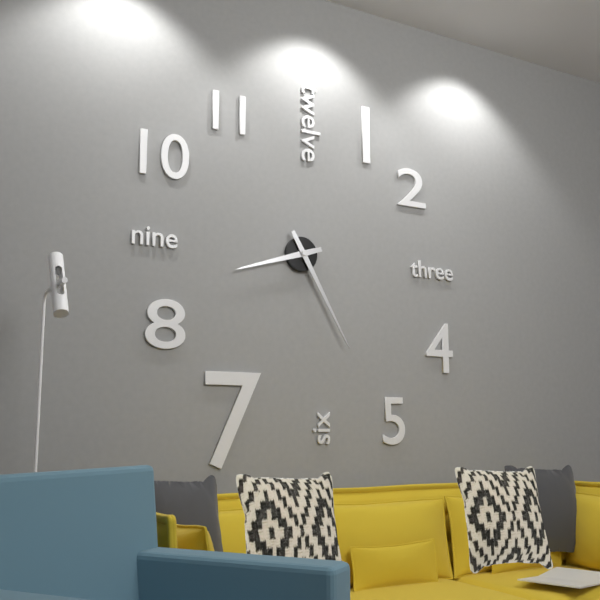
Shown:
8h25
